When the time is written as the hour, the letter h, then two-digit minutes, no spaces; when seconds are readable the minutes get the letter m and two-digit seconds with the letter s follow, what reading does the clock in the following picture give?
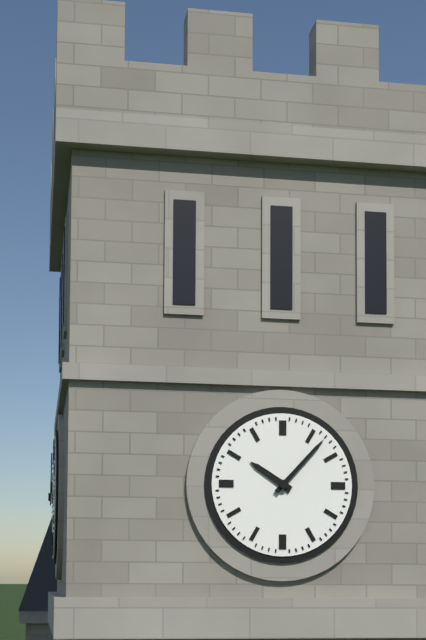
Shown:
10h07
